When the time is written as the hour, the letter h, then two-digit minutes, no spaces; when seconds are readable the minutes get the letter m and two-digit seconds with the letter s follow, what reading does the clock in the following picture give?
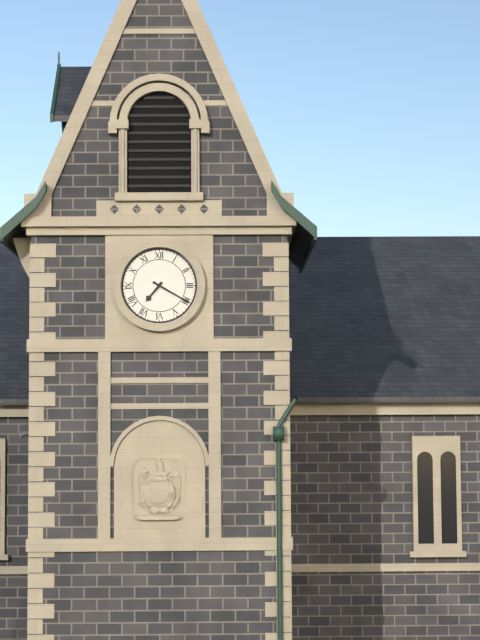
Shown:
7h20
